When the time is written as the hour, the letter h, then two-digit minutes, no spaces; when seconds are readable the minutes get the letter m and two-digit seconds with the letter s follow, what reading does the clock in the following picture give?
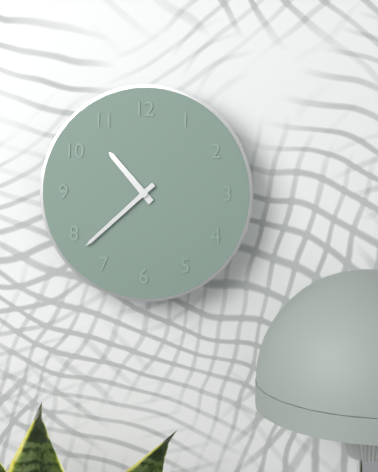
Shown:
10h38
